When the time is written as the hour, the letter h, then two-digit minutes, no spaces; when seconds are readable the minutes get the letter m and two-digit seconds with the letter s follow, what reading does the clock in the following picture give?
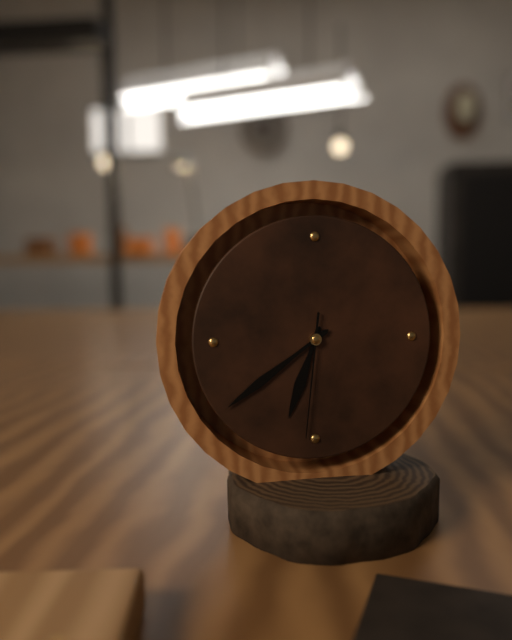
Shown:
6h39m31s
